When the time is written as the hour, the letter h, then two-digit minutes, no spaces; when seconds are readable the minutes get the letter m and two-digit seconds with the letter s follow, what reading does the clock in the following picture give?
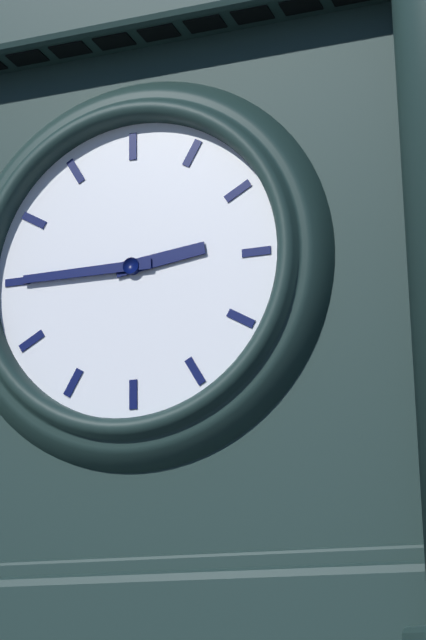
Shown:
2h45
